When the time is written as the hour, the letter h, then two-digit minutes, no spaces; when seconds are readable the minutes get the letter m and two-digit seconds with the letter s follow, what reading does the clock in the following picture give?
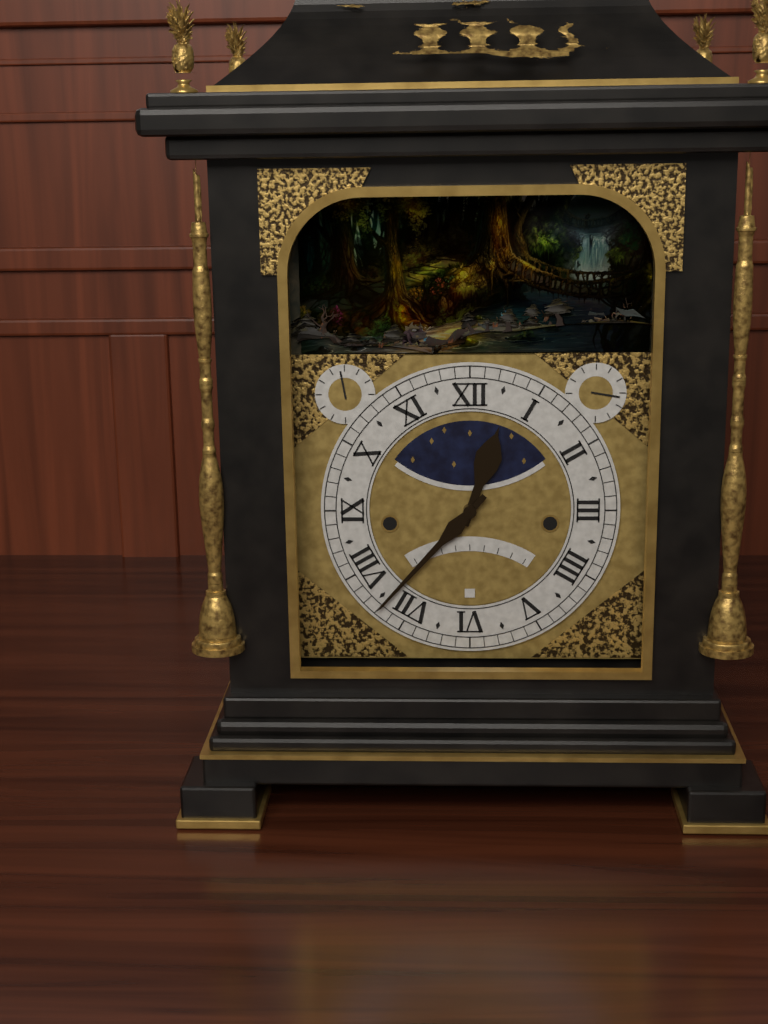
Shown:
12h37
